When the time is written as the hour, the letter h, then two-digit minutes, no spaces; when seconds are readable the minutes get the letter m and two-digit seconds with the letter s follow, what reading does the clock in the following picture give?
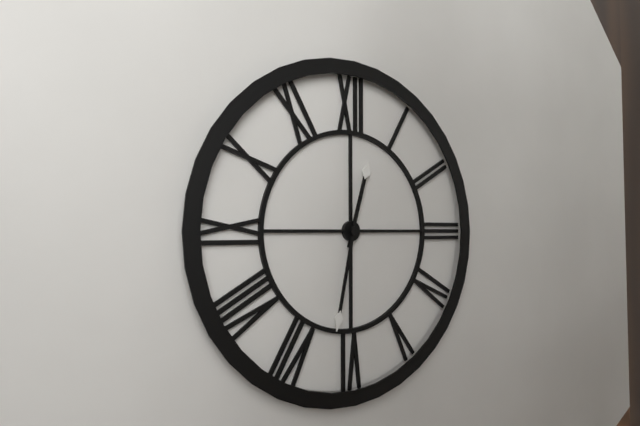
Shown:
12h32
